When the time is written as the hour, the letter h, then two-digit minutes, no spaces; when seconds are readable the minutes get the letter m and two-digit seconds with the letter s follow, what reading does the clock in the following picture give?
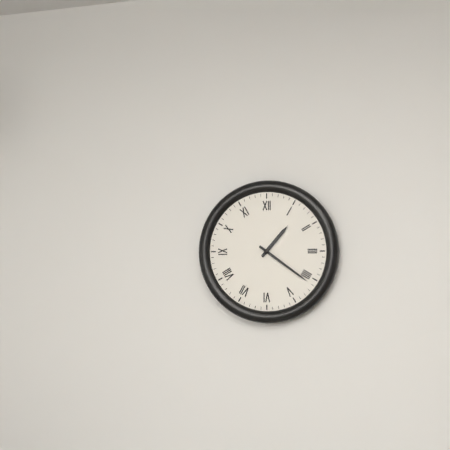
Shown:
1h21
